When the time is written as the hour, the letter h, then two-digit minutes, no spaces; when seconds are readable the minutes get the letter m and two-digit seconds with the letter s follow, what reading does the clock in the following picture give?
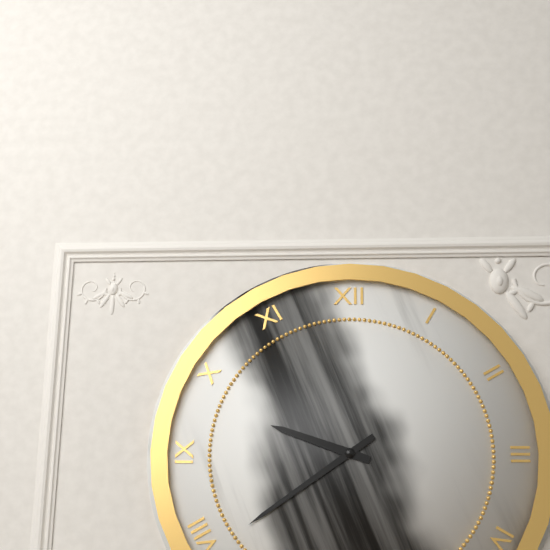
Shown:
9h39
